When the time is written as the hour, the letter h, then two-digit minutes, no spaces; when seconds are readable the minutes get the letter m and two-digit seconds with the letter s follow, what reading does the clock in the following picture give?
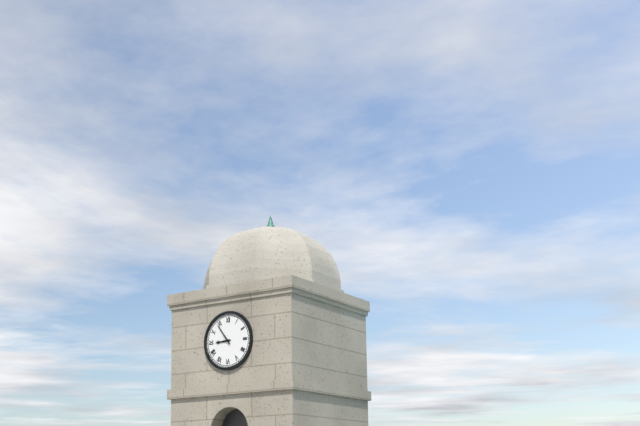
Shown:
8h54
